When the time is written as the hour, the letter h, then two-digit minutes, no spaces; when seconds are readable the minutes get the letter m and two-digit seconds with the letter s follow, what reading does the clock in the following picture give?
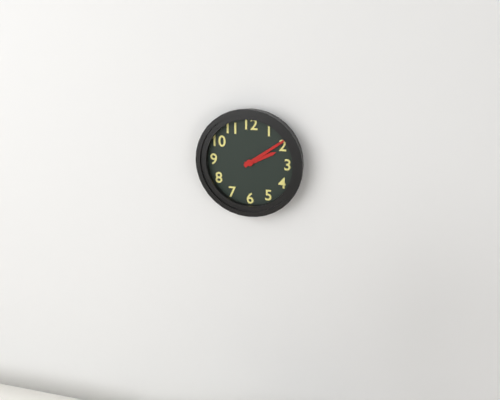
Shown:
2h09
